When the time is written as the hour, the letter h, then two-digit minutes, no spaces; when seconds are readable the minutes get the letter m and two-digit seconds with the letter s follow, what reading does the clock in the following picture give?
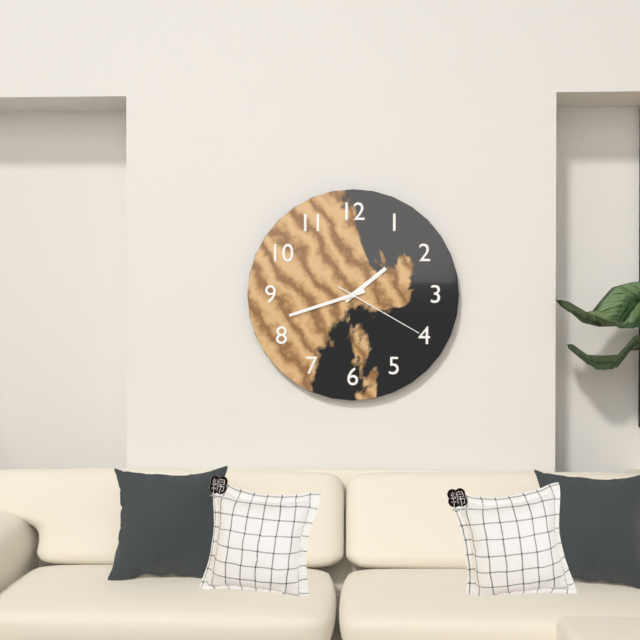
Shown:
1h42m20s
